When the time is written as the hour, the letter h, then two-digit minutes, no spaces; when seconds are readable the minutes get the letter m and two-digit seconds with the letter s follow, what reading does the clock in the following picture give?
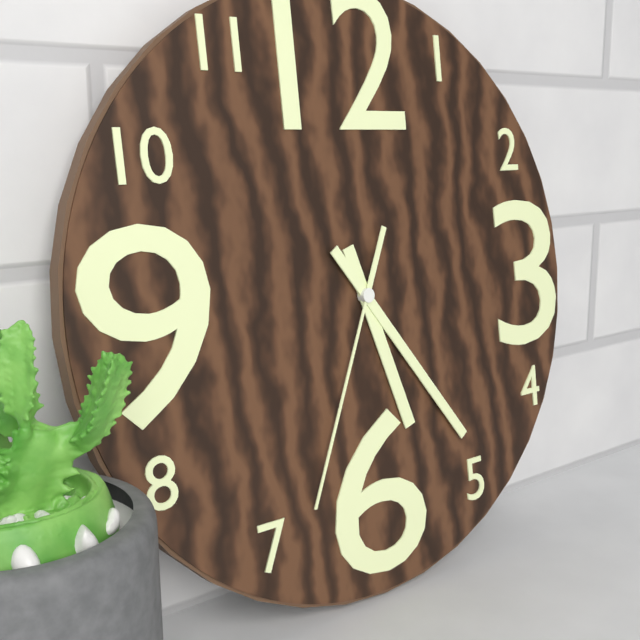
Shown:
5h24m34s
